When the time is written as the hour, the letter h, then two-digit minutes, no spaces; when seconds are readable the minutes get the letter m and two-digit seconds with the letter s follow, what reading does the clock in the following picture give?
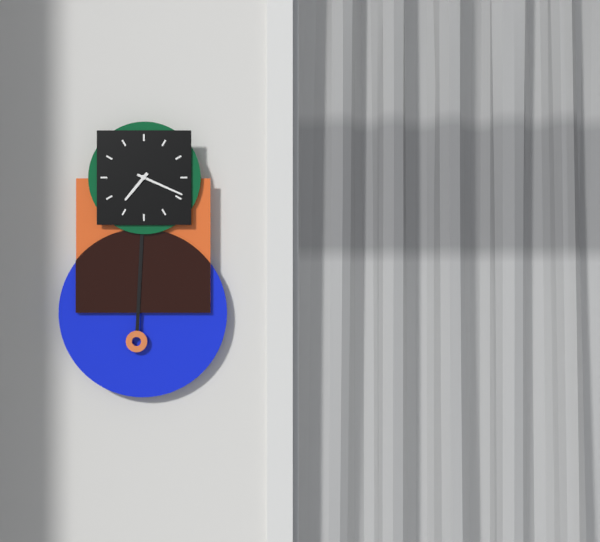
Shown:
7h19
